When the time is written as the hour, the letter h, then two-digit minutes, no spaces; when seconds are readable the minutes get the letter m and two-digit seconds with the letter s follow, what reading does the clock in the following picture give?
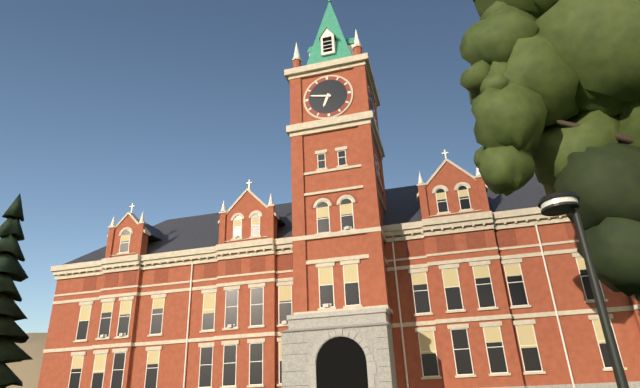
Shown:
6h47
